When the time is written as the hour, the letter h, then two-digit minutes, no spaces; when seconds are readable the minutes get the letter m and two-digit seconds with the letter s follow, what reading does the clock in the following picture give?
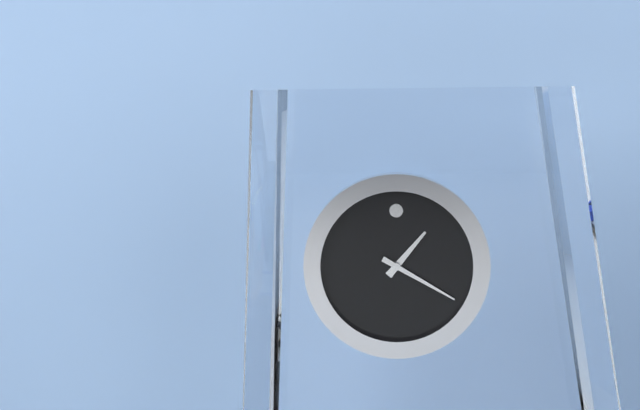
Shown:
1h20
